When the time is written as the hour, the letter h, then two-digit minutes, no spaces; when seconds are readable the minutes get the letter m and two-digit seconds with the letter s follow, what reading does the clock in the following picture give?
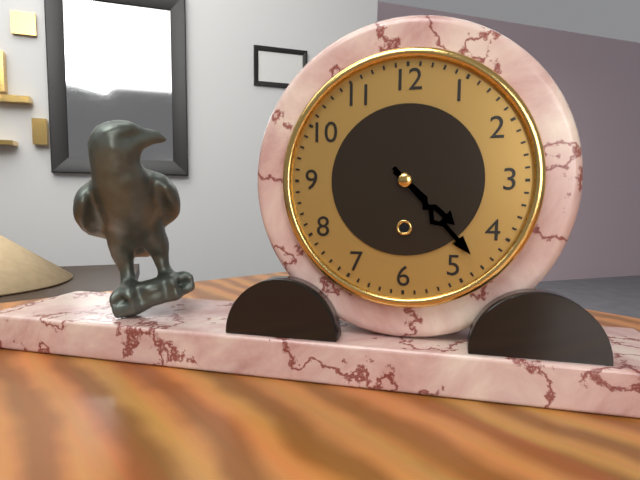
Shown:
4h23
